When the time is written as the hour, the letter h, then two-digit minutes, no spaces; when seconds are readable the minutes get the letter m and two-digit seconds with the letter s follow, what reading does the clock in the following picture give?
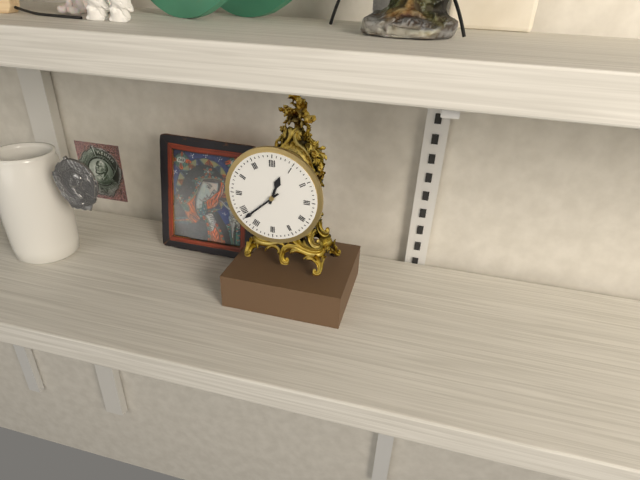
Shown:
12h38
